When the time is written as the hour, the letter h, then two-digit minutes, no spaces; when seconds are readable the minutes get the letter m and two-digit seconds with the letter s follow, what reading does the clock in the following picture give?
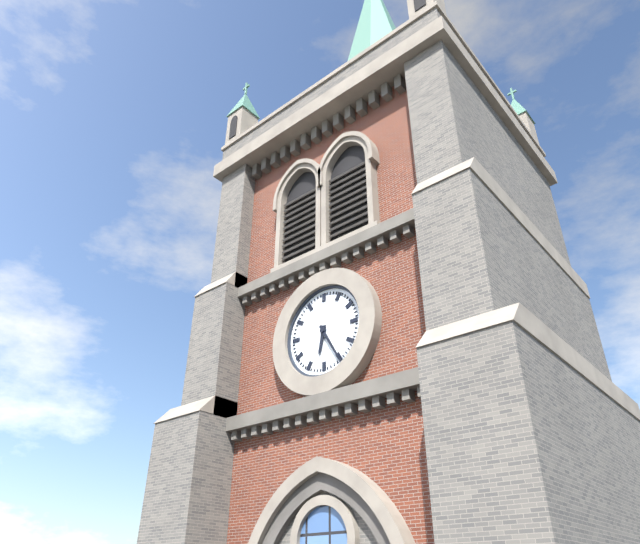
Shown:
6h25
